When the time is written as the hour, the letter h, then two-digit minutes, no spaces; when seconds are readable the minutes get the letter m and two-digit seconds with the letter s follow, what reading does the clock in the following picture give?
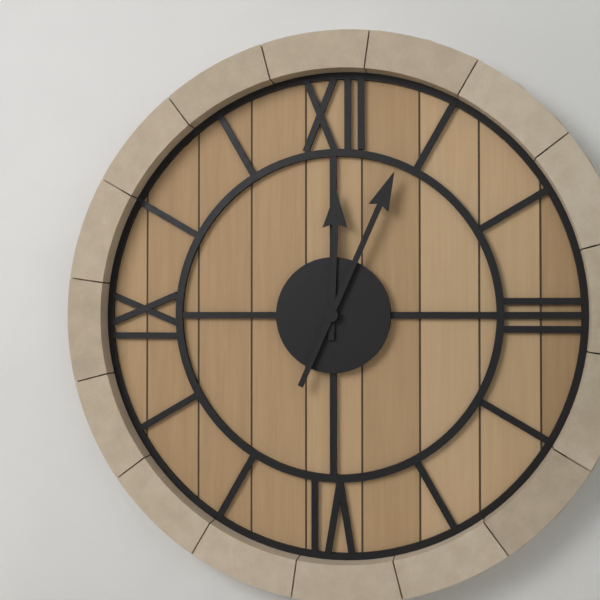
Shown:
12h04
